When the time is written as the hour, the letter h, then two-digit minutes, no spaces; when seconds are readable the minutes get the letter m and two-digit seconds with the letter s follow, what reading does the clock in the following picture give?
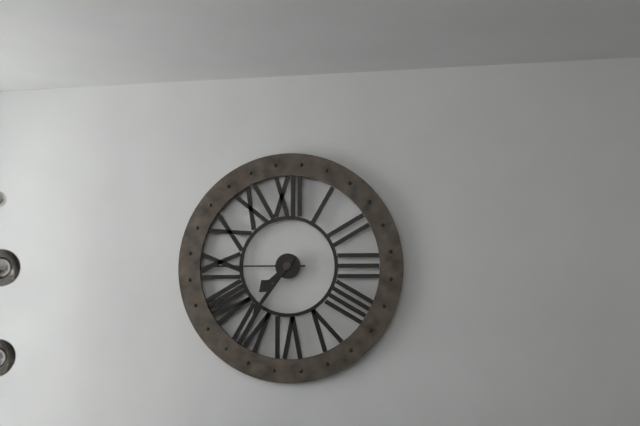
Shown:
7h36m45s
